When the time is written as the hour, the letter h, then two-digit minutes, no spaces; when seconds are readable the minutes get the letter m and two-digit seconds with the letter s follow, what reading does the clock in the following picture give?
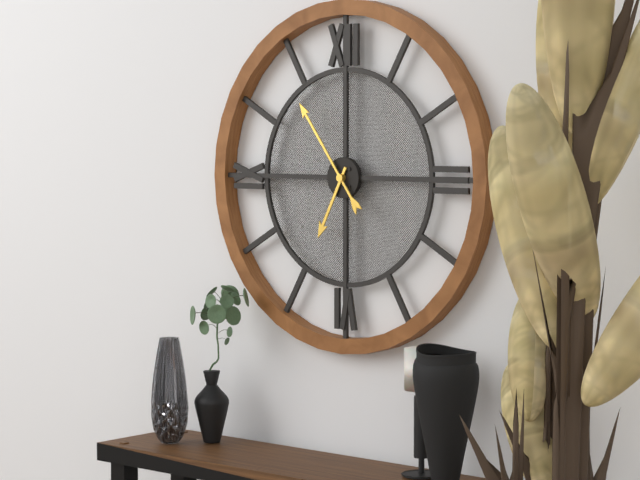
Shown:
6h54
